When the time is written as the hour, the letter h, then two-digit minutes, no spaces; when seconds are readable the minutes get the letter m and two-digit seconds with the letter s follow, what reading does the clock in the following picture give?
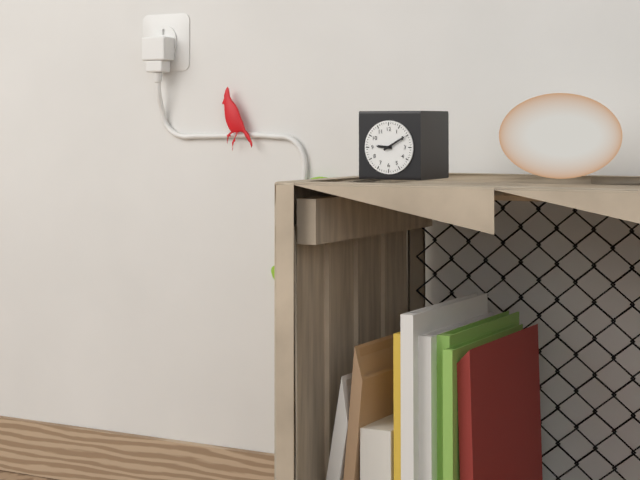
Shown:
9h10
